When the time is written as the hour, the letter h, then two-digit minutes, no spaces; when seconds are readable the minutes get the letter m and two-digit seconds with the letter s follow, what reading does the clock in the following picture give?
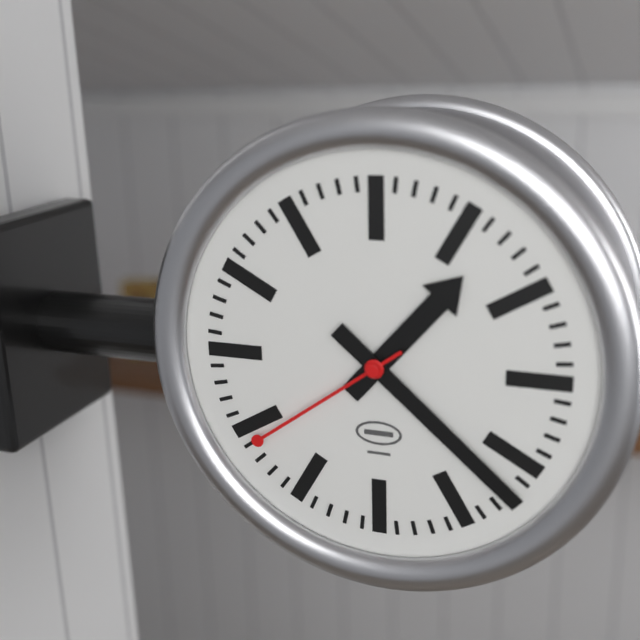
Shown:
1h22m39s
